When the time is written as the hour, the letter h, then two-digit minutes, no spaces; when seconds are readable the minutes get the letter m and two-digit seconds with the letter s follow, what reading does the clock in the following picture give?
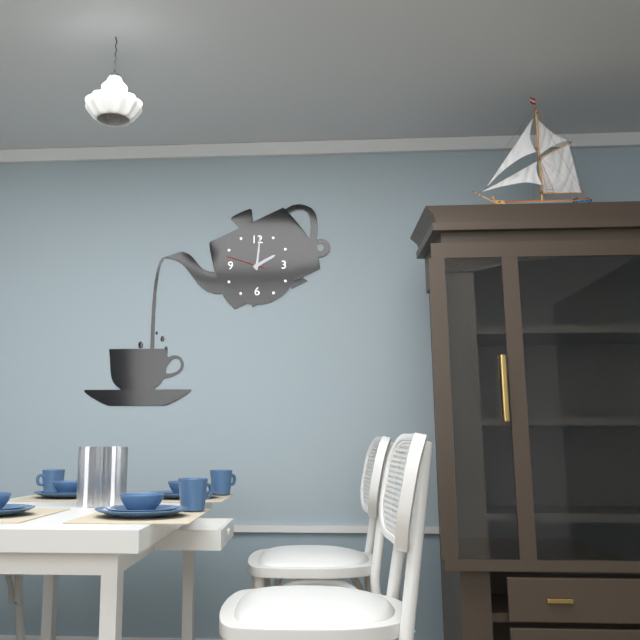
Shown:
2h01
